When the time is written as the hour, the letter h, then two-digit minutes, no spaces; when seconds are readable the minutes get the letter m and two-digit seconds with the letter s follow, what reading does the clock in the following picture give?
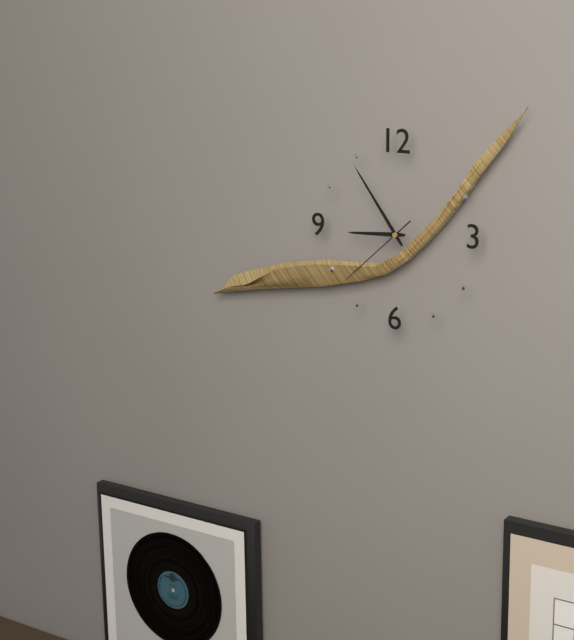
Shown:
8h54m38s
